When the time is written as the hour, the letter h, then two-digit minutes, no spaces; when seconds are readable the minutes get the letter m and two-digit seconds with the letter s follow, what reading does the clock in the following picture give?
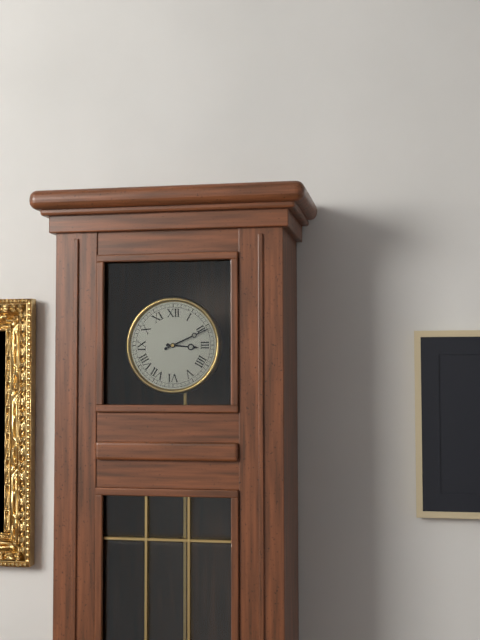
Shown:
3h11
